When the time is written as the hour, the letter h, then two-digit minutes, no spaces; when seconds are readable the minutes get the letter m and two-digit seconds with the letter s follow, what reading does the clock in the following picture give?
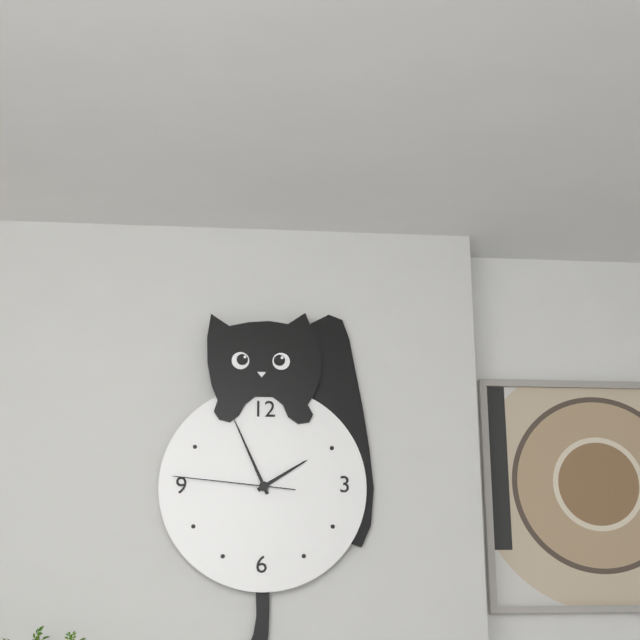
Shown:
1h56m46s
